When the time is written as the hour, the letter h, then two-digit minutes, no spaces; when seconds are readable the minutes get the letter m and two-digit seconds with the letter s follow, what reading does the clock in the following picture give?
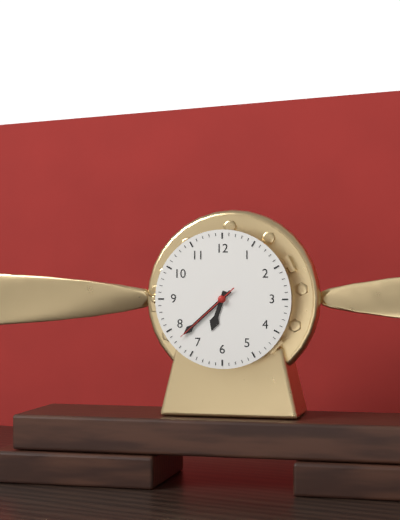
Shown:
6h38m38s
